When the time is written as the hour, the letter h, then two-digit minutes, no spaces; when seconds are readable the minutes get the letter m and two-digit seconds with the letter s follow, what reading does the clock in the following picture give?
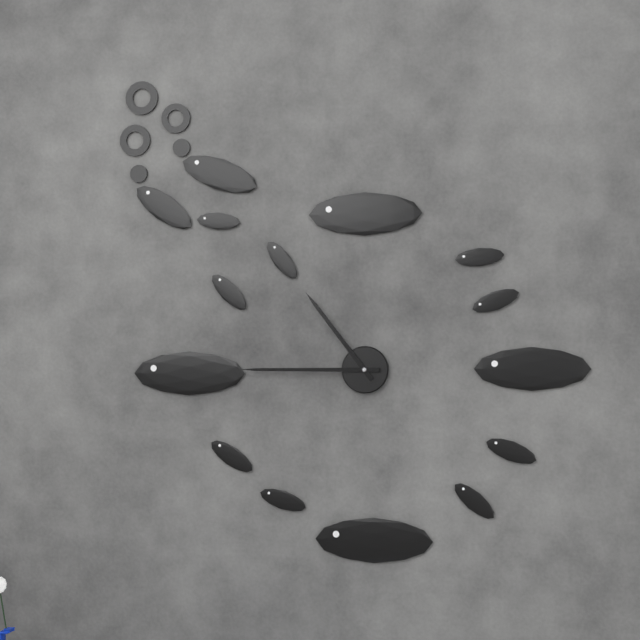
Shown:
10h45
